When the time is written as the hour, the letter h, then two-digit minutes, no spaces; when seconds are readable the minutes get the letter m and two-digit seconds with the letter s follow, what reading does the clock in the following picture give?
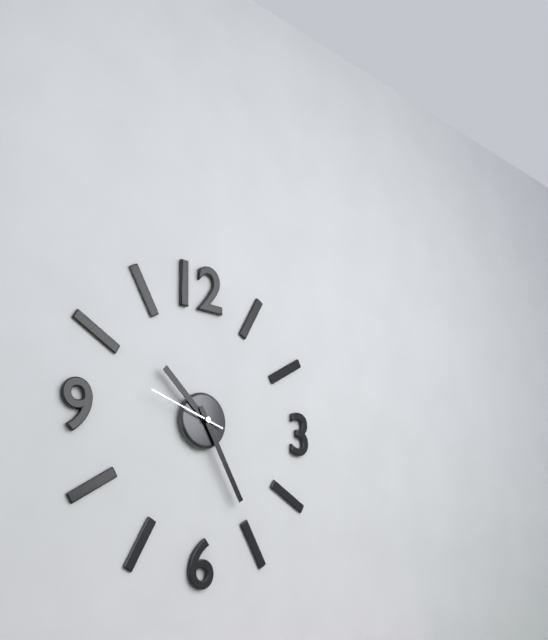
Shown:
10h25m48s
